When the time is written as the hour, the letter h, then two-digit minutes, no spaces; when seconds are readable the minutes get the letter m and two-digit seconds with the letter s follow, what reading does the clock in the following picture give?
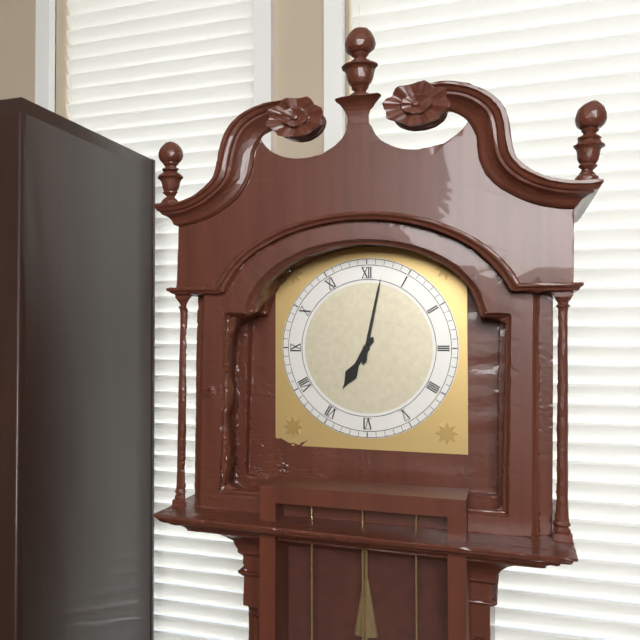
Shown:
7h02
